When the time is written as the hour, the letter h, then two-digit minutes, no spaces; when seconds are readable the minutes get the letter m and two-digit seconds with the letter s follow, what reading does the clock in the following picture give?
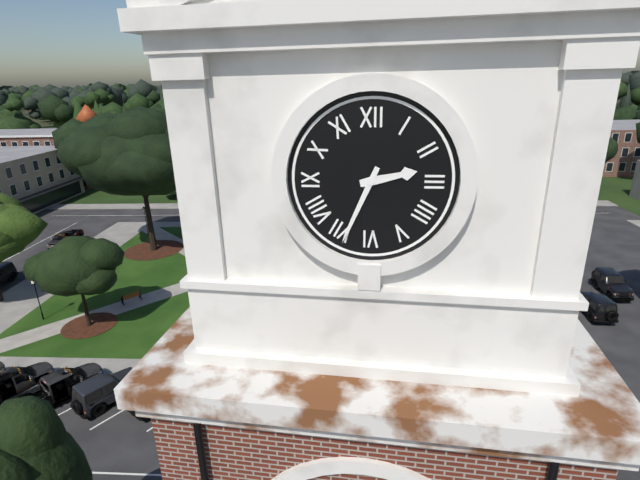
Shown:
2h34
